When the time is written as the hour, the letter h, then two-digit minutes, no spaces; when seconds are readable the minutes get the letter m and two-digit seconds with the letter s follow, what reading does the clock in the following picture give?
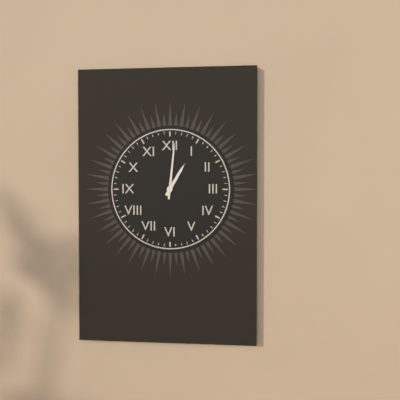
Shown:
1h01
